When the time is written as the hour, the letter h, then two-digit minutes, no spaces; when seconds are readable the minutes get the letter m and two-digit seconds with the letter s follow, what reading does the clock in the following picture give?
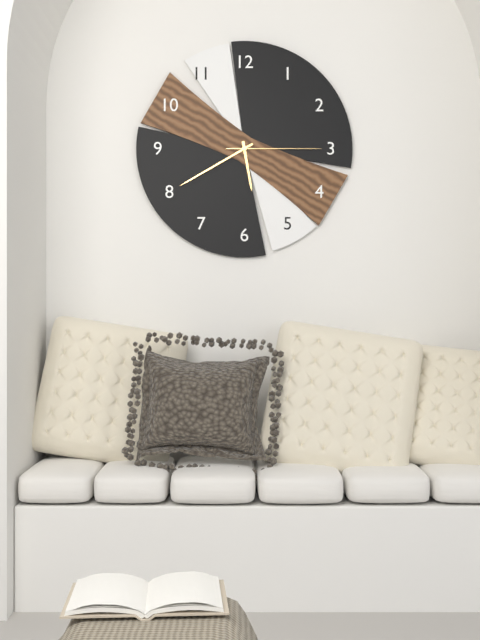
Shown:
5h40m15s
